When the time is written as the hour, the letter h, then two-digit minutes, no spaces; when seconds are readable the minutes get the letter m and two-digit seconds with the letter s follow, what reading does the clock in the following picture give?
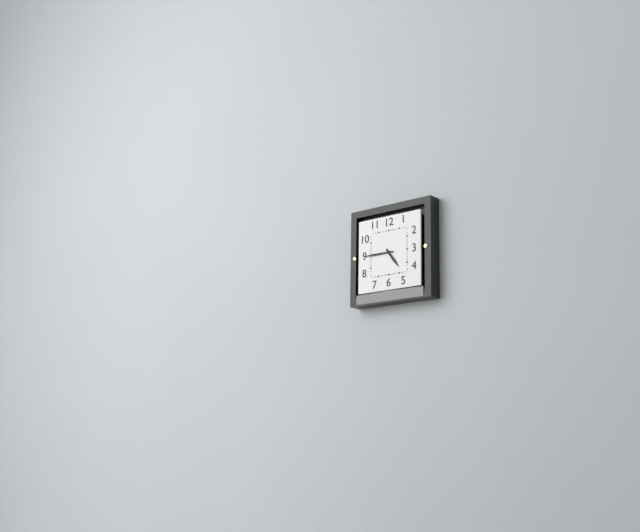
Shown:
4h45
